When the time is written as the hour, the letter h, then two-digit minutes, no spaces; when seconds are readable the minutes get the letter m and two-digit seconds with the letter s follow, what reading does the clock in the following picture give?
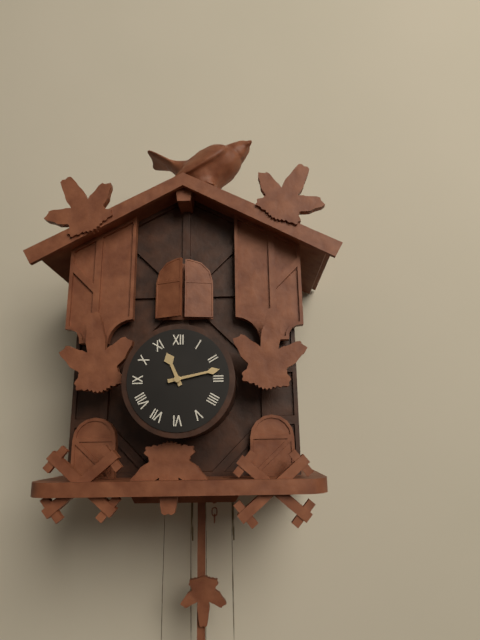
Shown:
11h13
